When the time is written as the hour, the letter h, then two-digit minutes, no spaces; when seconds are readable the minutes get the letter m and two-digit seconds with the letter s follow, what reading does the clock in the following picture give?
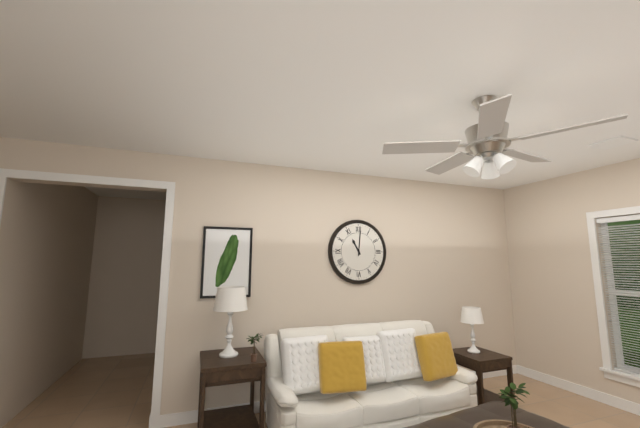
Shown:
11h01
